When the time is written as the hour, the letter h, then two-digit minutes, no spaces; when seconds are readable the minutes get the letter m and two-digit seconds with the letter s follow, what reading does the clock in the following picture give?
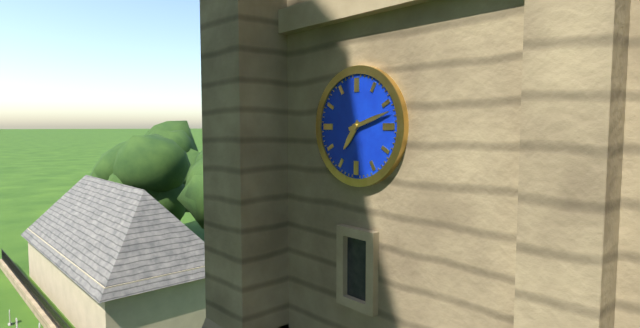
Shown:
7h12
